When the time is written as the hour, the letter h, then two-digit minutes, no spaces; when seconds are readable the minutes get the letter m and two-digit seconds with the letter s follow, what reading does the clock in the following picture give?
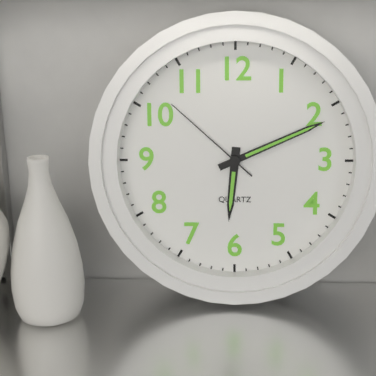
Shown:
6h11m52s
